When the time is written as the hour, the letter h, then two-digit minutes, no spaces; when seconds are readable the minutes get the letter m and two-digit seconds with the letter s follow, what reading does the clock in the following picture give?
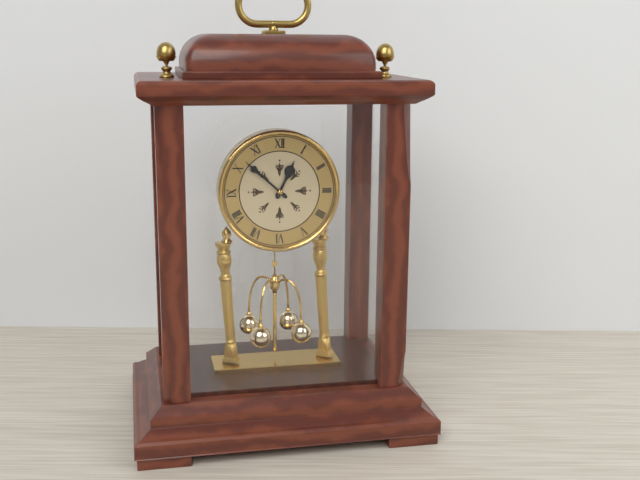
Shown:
12h52
